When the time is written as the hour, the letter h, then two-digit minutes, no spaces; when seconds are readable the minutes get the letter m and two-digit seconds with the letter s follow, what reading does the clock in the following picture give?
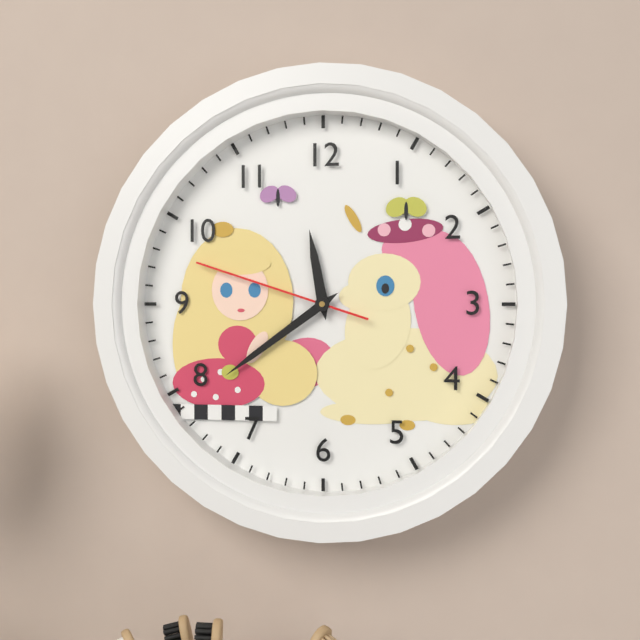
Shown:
11h39m48s
